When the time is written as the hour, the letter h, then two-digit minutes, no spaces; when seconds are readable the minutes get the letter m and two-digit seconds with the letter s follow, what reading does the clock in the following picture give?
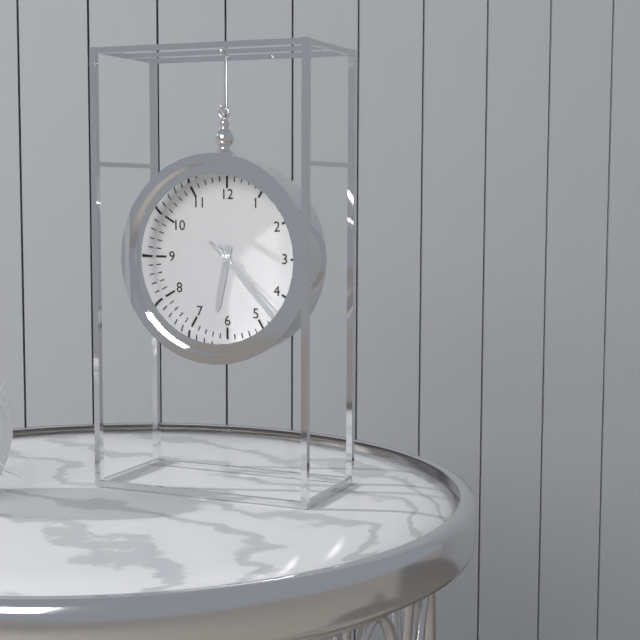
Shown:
6h23m22s
